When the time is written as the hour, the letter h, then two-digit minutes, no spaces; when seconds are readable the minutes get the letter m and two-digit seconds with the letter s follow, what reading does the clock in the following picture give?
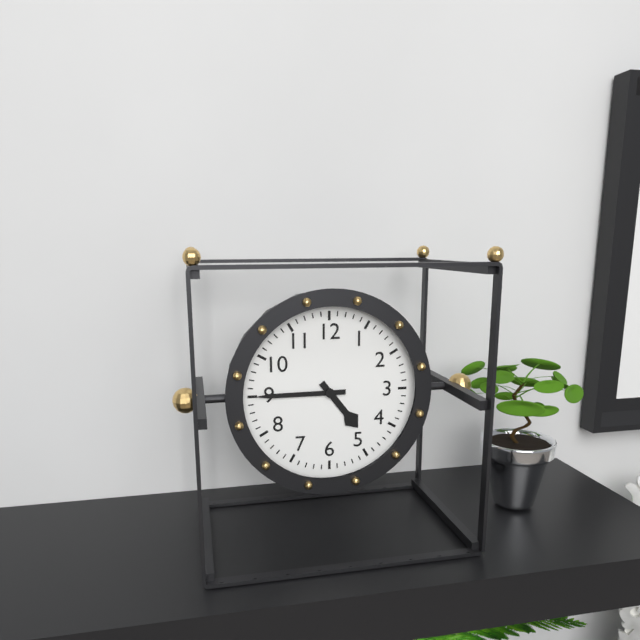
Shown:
4h45
